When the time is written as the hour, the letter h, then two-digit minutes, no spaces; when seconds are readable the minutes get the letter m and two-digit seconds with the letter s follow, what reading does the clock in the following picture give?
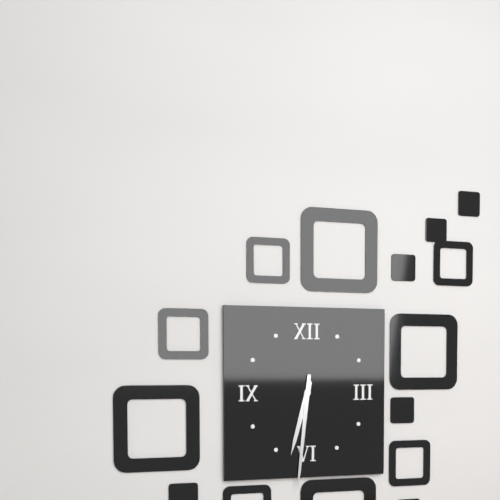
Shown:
6h31
